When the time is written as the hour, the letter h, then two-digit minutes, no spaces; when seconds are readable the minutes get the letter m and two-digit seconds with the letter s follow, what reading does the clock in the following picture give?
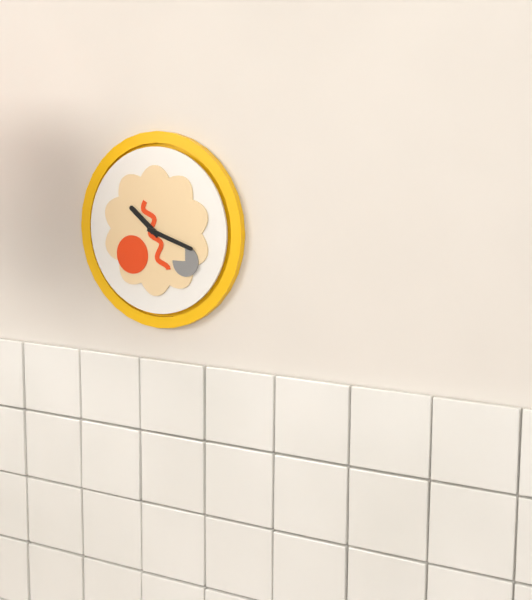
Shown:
10h18
